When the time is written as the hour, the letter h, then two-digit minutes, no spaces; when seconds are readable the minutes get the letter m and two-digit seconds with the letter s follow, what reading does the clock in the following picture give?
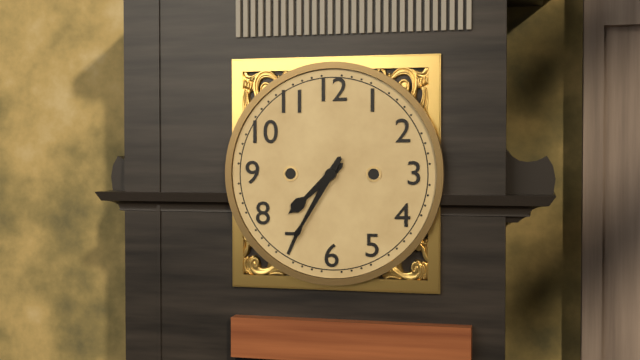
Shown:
7h35
